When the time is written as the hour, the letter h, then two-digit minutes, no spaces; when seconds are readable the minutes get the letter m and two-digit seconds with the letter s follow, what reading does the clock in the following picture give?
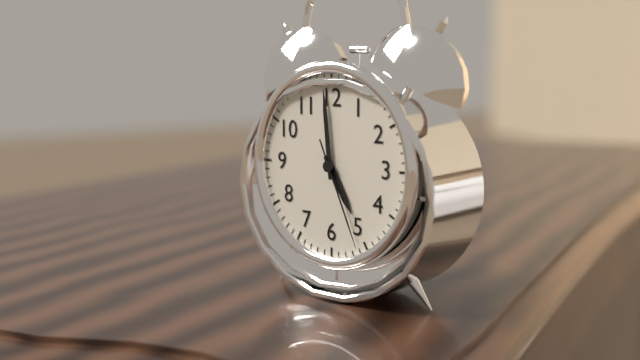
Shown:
4h59m26s
